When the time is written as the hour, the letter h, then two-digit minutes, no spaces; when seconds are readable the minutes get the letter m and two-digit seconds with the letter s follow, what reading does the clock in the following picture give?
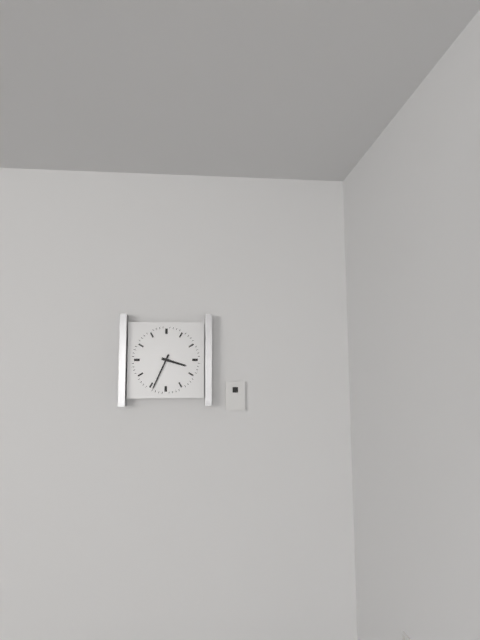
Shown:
3h34
